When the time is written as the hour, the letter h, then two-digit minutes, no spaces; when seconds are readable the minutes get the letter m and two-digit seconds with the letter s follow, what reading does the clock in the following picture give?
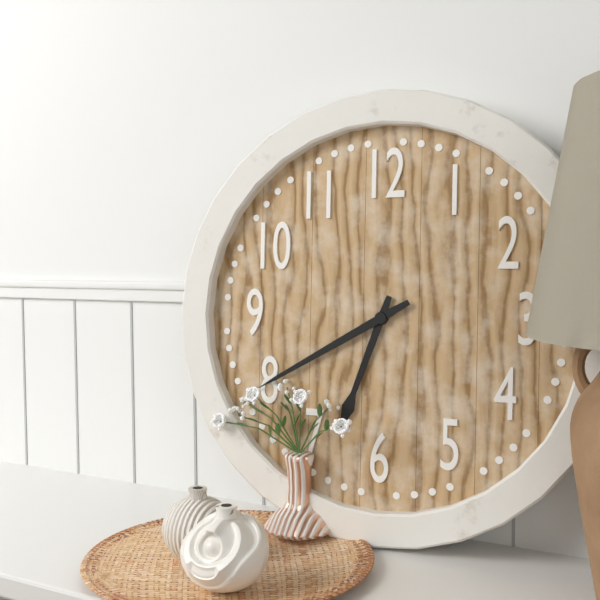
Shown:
6h40
